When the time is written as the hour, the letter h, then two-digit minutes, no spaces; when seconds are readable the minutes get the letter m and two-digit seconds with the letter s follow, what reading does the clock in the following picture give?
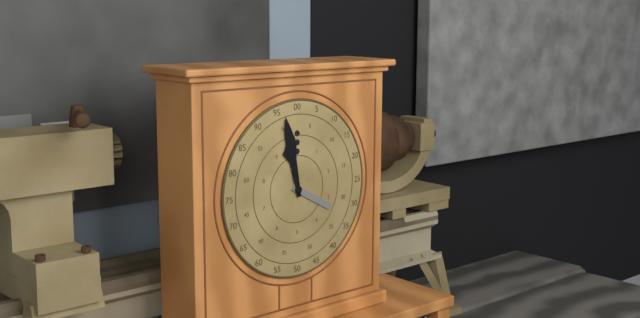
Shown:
3h58
